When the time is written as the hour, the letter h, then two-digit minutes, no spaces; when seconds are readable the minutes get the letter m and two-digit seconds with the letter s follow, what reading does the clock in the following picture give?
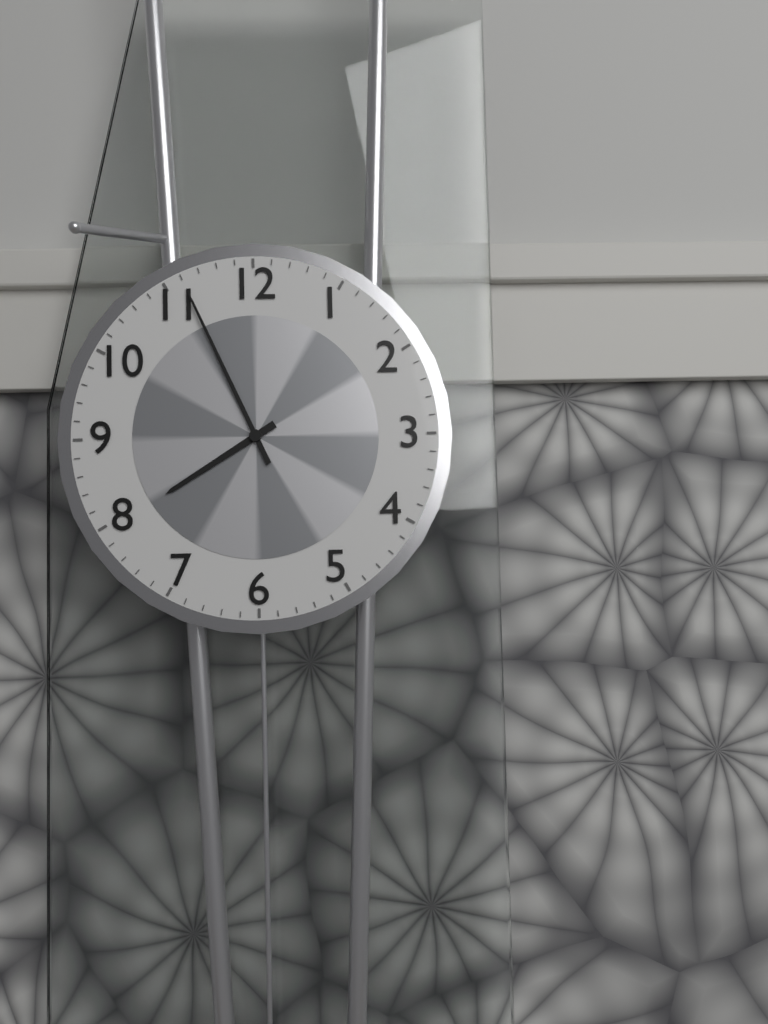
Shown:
7h56
